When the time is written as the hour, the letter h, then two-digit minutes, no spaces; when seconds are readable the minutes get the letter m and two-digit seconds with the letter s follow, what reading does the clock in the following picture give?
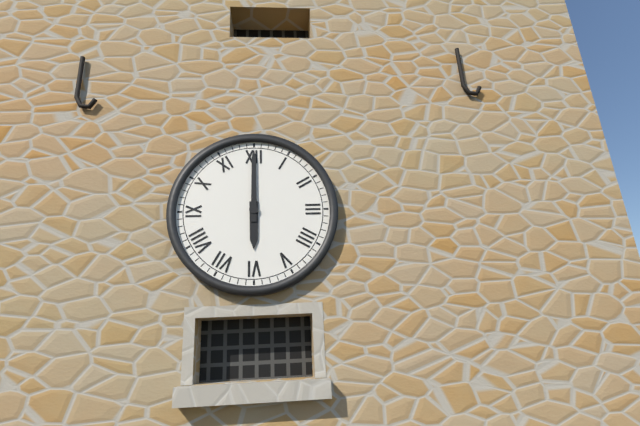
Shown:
6h00
